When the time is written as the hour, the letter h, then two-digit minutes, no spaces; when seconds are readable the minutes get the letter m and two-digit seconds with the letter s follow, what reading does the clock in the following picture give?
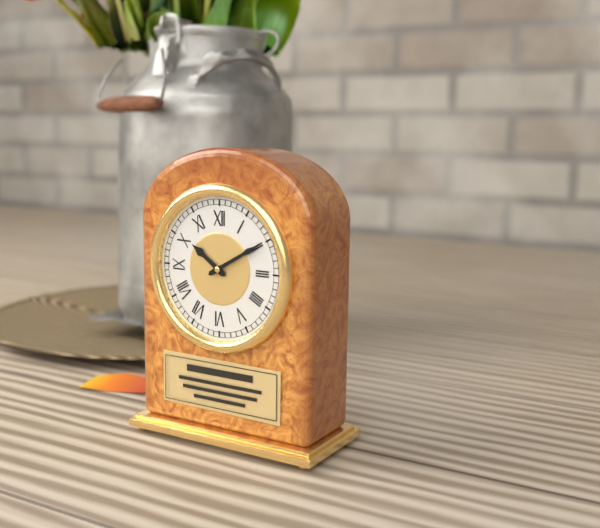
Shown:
10h10
